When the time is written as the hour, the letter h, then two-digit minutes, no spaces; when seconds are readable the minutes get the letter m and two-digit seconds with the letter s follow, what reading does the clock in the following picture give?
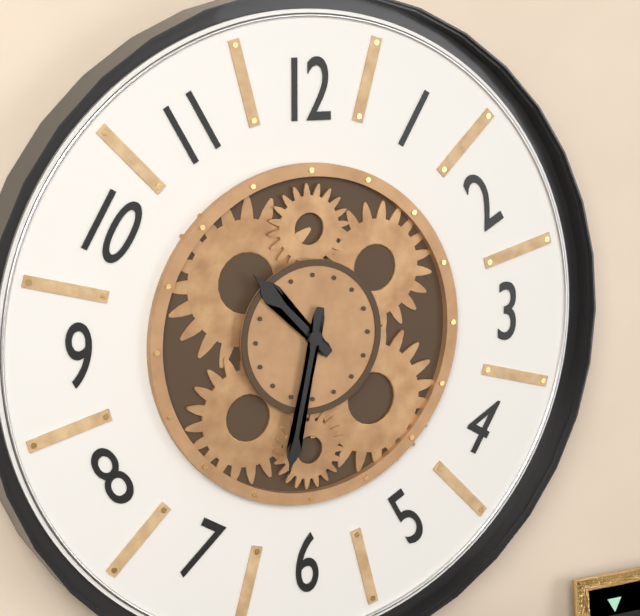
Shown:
10h32
